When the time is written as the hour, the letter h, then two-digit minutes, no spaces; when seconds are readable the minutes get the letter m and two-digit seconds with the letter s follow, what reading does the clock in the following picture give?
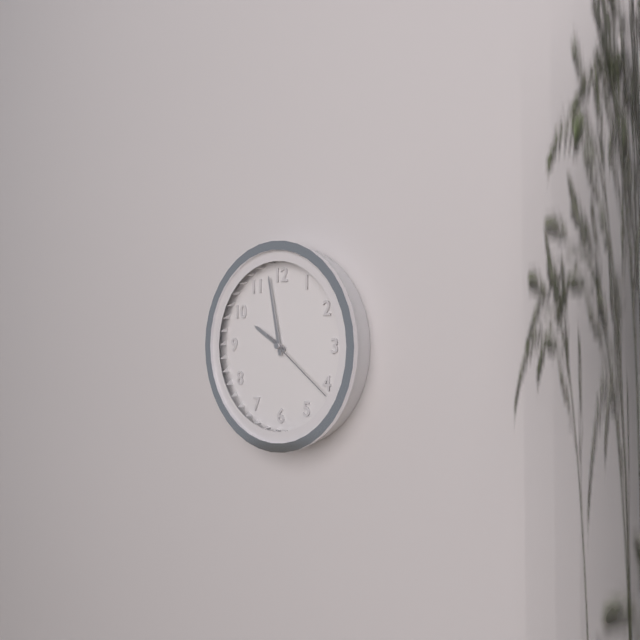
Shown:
9h58m21s
